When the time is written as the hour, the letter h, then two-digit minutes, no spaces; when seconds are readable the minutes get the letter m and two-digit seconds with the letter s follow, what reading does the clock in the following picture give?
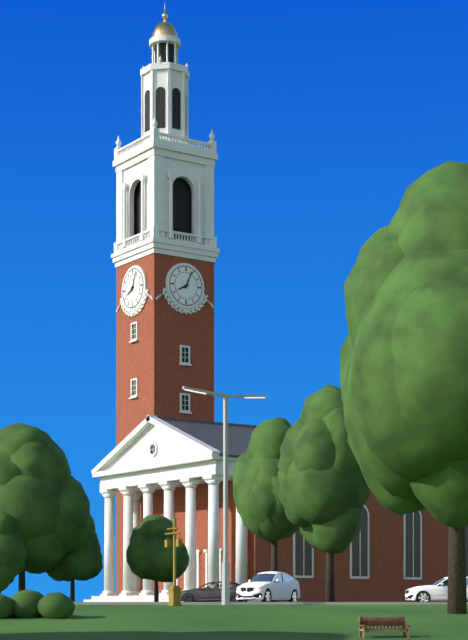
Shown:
8h04
